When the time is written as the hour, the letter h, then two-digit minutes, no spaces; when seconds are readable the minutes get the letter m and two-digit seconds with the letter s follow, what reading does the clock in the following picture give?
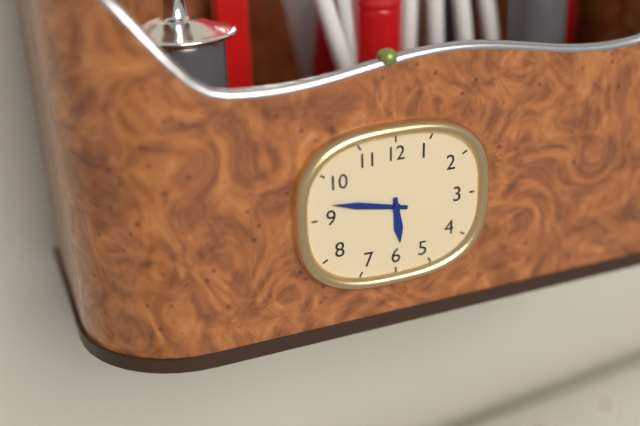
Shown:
5h47
